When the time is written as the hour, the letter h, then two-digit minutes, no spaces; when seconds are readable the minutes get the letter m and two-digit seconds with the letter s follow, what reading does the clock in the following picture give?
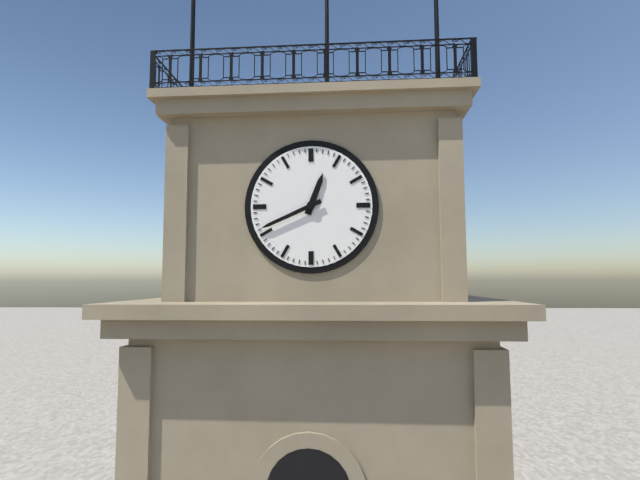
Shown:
12h41
